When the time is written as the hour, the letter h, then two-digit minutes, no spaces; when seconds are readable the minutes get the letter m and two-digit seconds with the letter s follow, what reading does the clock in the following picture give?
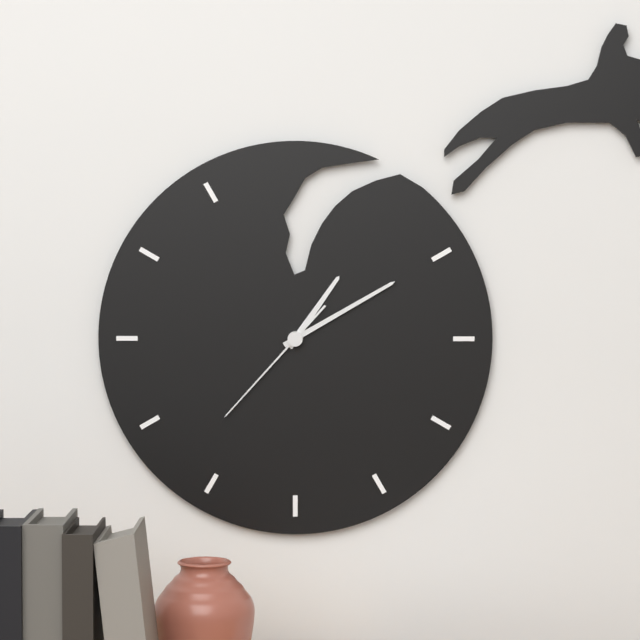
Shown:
1h10m37s
